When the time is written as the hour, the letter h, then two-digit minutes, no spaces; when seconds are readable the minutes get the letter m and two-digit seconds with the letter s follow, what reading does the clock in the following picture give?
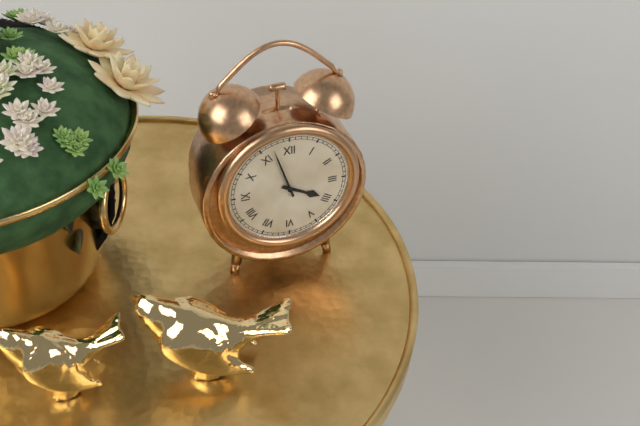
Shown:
3h57
